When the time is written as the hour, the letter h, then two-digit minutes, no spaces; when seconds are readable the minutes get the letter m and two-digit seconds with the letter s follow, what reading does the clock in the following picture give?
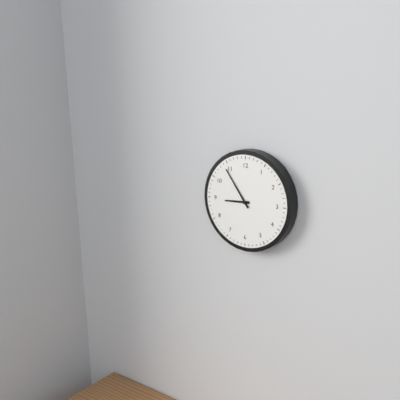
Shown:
8h54
